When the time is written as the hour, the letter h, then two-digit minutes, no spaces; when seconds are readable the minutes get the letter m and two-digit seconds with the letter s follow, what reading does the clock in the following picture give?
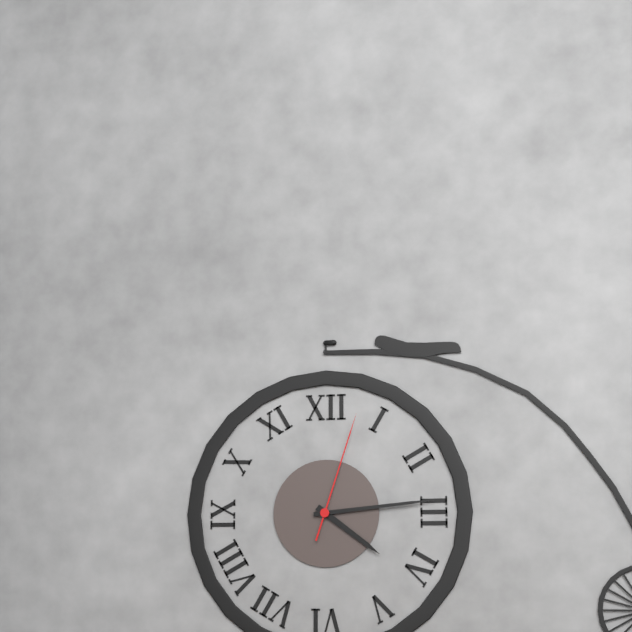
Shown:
4h14m03s
